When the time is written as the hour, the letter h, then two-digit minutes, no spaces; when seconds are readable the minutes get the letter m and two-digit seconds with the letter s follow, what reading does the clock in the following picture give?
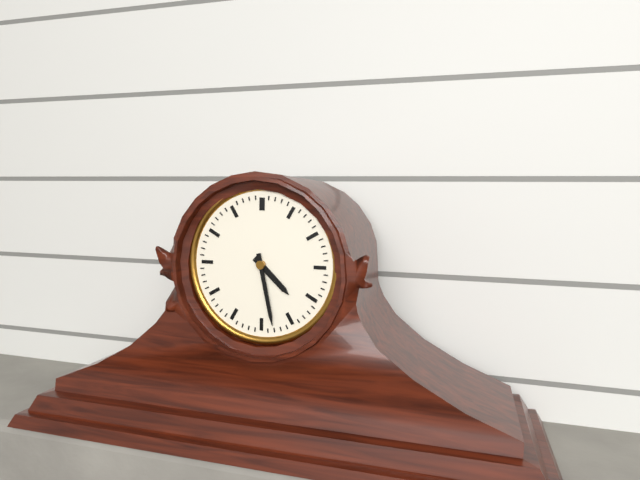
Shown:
4h28
